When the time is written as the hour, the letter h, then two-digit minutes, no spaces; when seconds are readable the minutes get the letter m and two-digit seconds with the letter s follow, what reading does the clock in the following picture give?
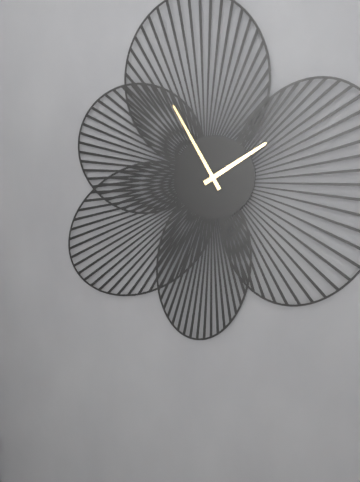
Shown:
1h55
